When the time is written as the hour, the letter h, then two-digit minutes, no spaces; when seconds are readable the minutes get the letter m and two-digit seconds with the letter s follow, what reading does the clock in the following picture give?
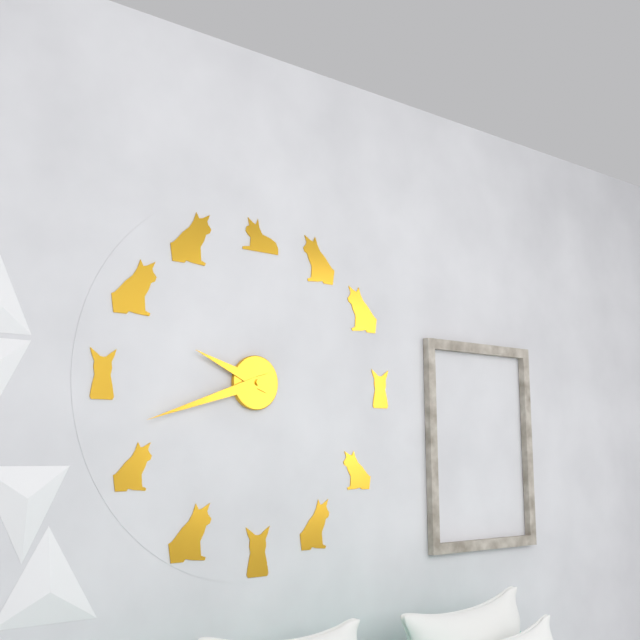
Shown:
9h42
